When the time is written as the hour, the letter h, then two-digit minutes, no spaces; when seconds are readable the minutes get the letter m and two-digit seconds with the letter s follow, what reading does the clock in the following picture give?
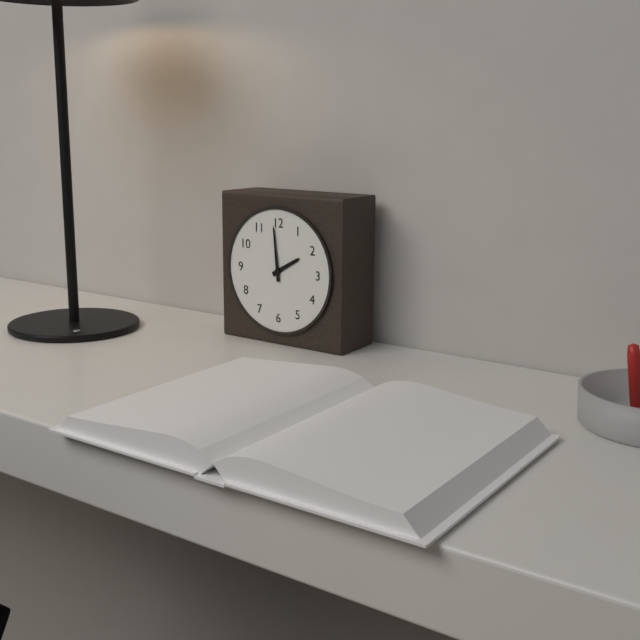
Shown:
1h59
